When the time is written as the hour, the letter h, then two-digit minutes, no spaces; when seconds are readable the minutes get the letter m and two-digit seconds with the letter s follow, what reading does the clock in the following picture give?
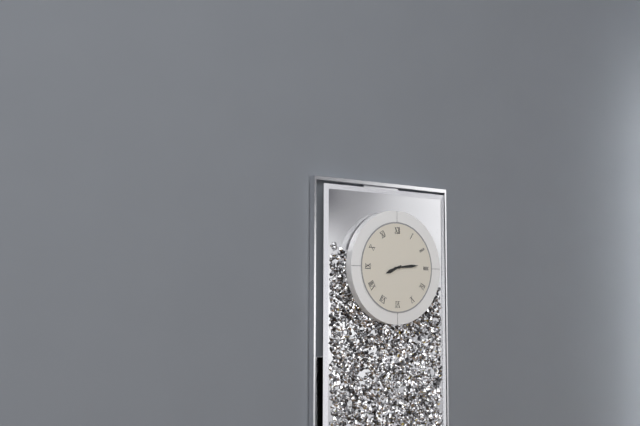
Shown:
8h14
